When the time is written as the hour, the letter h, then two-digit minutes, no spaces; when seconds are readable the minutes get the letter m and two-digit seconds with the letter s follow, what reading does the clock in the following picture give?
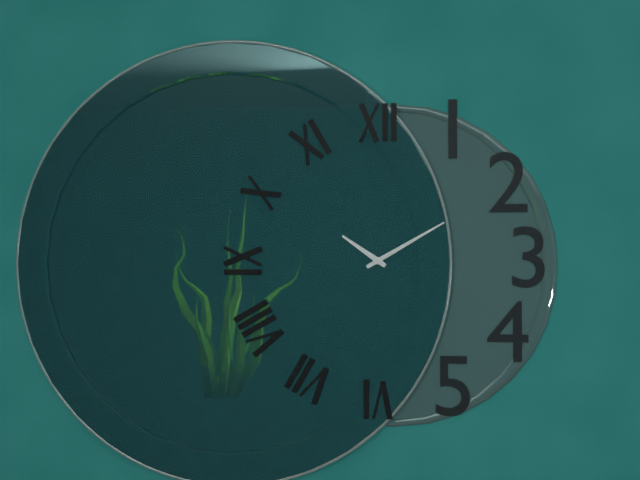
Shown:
10h10
